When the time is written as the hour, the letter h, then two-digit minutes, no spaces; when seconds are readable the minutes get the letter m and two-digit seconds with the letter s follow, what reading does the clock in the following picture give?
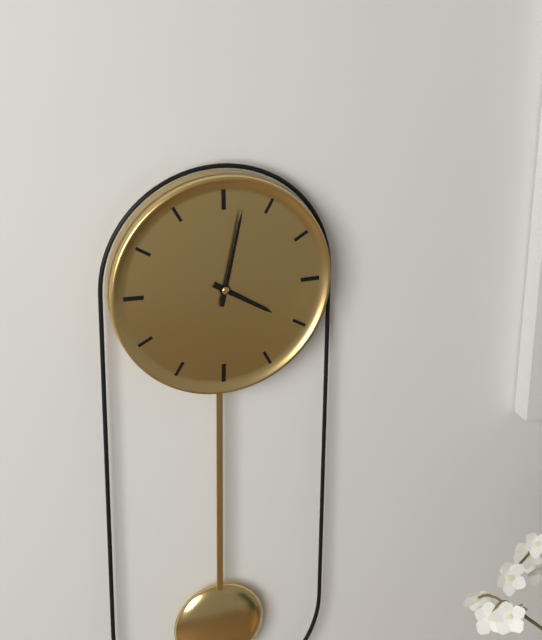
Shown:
4h02
